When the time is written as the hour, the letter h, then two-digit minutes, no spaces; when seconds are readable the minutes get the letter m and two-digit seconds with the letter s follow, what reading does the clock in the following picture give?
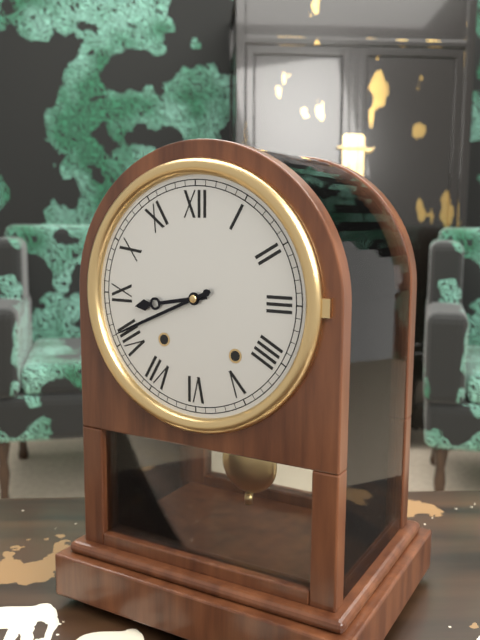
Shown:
8h41
